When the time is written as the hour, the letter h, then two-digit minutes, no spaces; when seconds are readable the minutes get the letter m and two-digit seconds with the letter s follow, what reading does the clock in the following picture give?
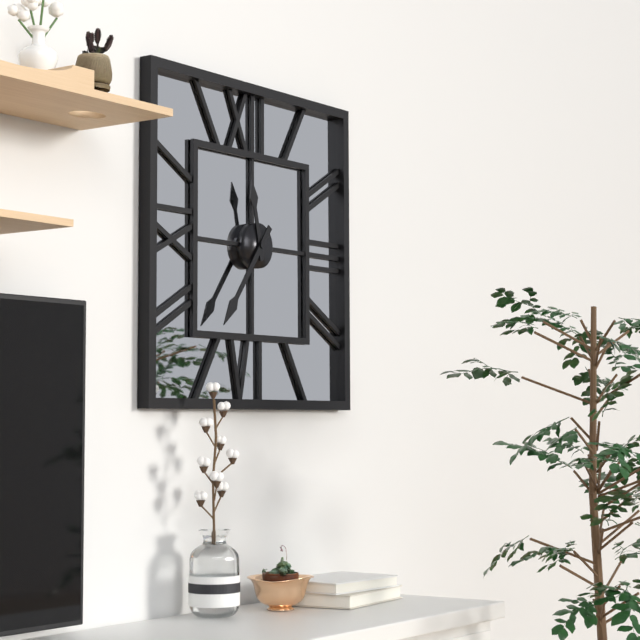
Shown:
11h36
